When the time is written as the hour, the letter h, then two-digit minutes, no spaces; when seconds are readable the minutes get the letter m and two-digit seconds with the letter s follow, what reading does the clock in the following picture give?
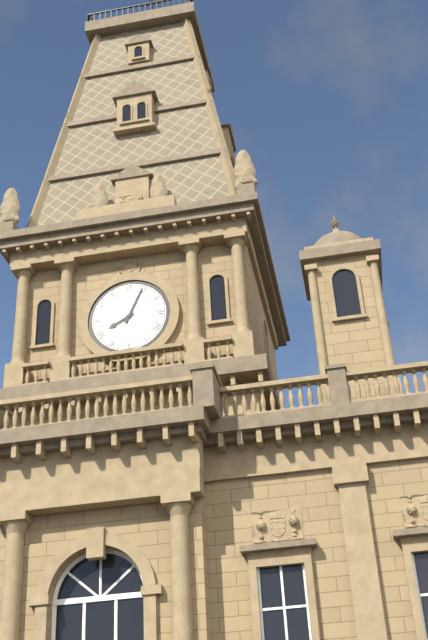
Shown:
8h04
